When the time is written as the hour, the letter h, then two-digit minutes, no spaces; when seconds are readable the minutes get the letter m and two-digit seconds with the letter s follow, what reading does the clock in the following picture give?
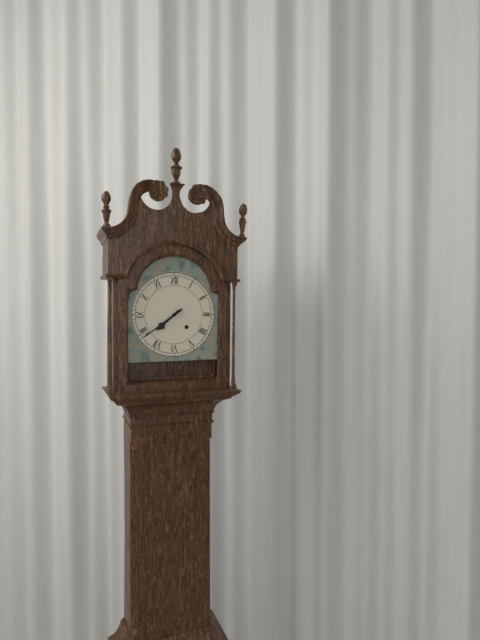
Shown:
7h39
